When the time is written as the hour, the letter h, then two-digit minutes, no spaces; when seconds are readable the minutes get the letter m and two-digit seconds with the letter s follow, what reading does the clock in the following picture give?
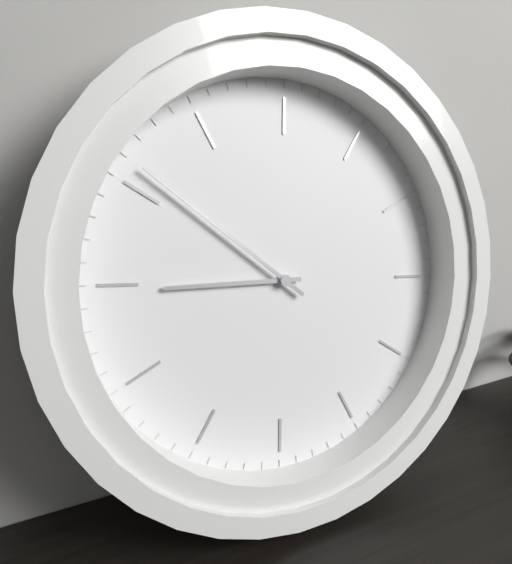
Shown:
9h56
